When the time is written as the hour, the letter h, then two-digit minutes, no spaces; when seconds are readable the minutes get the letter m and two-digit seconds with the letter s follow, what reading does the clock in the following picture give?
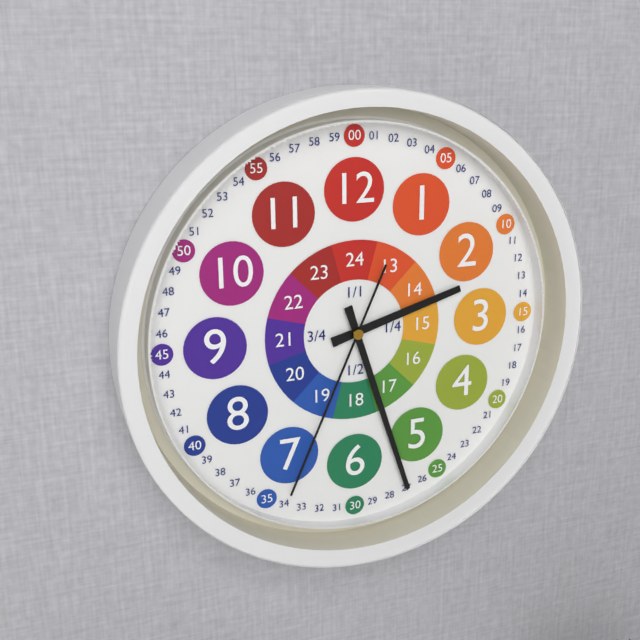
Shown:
2h27m34s
